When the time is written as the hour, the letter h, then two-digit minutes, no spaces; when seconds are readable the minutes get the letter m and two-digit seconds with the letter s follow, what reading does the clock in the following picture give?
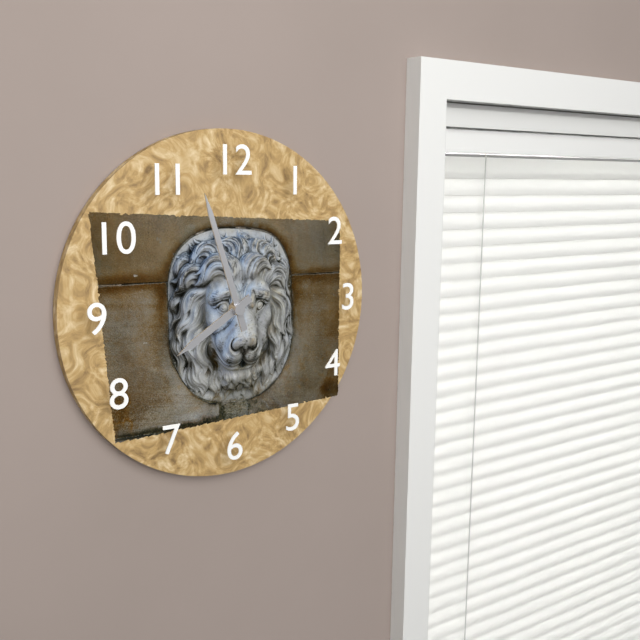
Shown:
7h57
